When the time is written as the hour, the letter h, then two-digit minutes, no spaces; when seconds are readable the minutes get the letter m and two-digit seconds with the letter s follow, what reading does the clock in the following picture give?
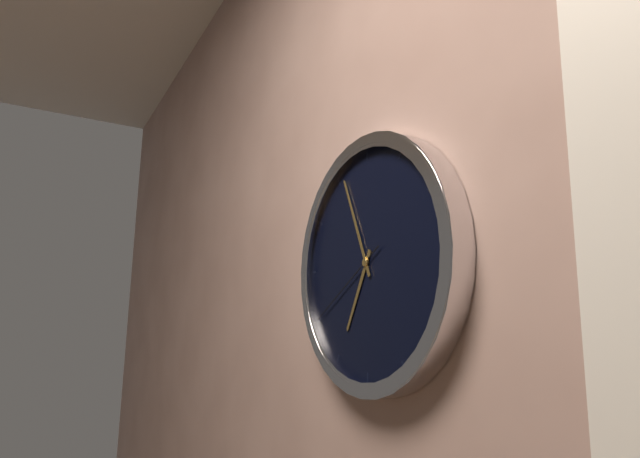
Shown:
6h56m40s
